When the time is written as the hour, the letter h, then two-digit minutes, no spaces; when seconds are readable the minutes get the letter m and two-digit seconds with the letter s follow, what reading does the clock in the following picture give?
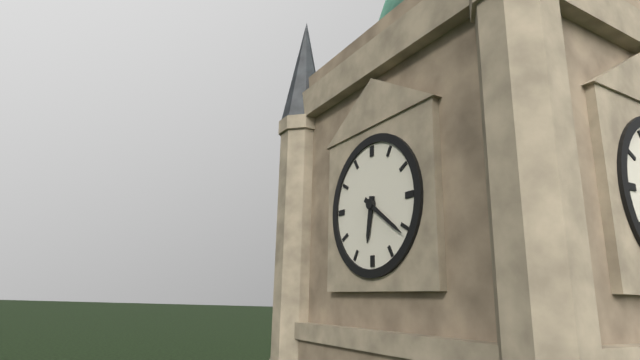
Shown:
6h21
